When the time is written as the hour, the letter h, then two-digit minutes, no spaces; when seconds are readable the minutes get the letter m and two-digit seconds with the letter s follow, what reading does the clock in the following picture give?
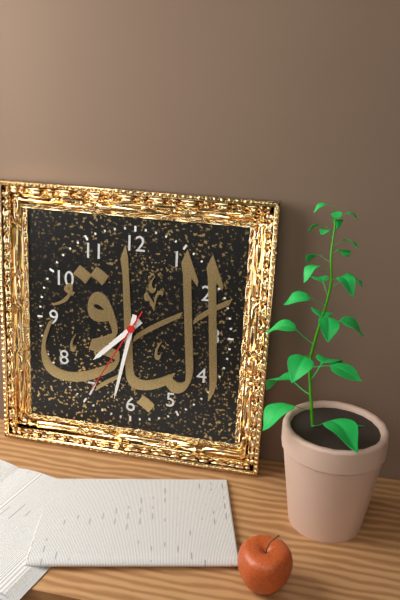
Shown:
7h32m35s
